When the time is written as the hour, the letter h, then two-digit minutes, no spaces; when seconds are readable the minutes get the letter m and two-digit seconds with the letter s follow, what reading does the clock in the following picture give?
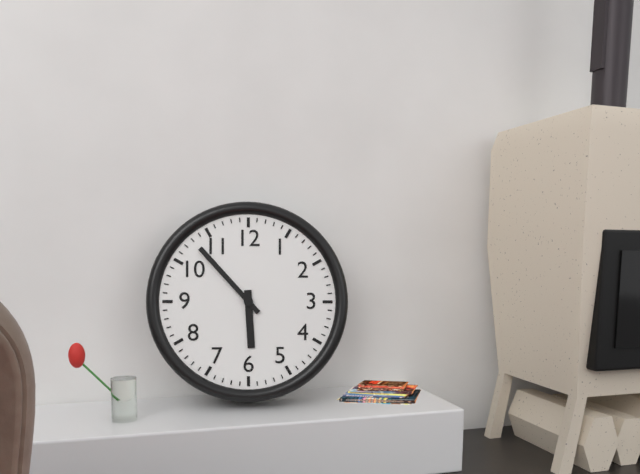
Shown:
5h53
